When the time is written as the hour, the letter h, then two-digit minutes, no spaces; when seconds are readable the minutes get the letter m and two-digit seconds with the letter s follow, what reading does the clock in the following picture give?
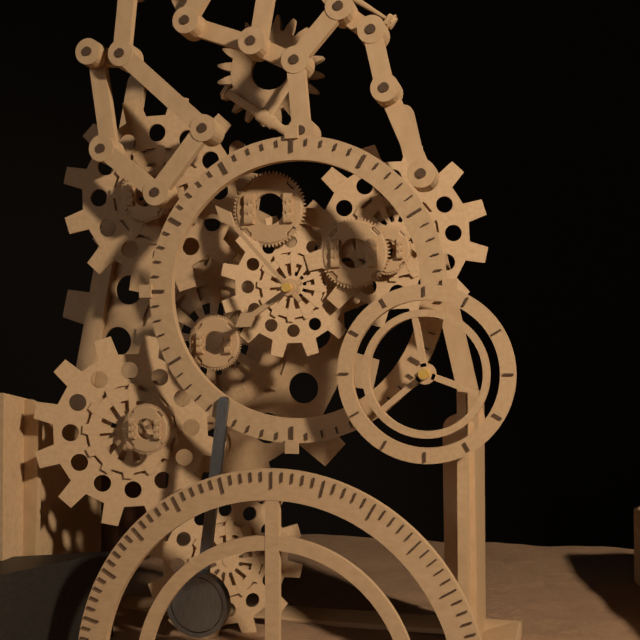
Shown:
7h53
